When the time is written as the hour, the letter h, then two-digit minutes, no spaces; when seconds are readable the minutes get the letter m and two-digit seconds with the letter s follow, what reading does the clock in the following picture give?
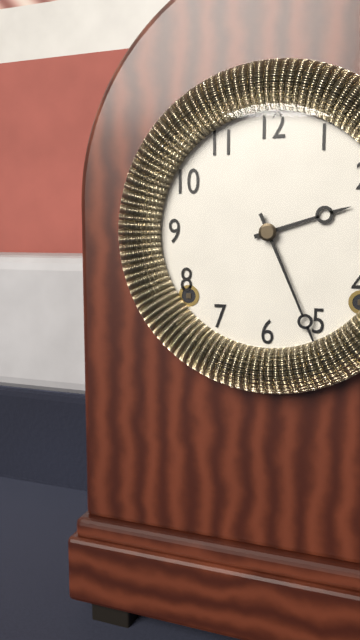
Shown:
2h26
